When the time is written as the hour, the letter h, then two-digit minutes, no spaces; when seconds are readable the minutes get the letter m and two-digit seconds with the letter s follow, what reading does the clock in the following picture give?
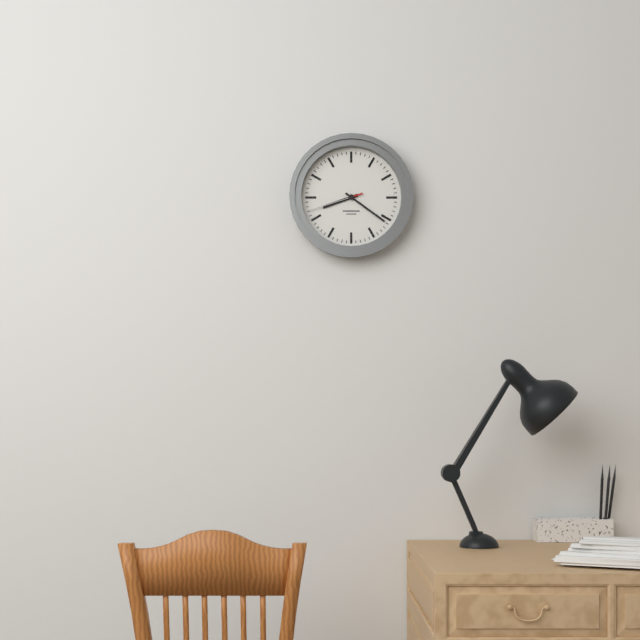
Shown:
8h21m42s
